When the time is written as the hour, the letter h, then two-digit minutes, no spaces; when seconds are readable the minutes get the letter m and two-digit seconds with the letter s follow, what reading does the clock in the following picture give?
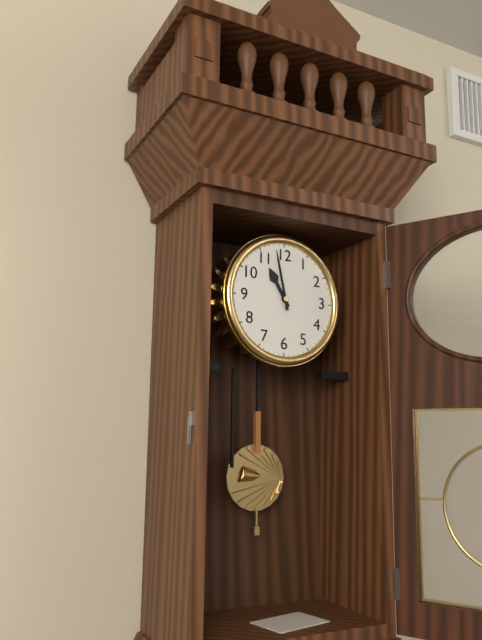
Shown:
10h58
